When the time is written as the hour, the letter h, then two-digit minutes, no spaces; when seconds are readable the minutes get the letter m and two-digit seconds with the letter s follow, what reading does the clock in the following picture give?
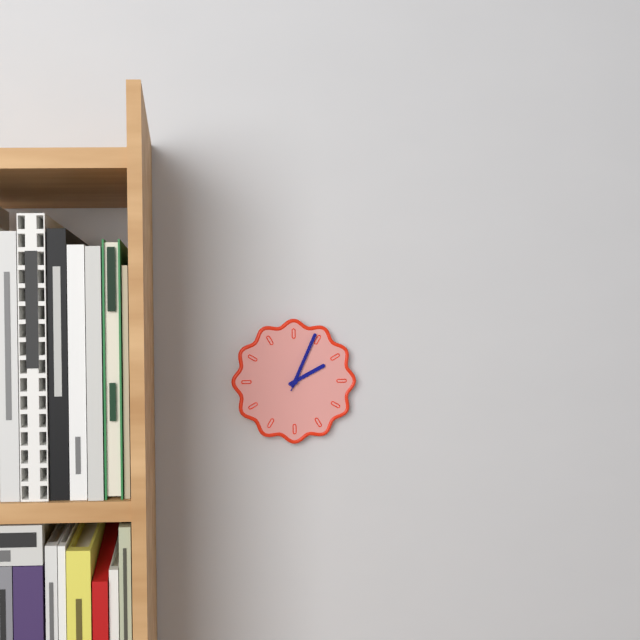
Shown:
2h04m04s
